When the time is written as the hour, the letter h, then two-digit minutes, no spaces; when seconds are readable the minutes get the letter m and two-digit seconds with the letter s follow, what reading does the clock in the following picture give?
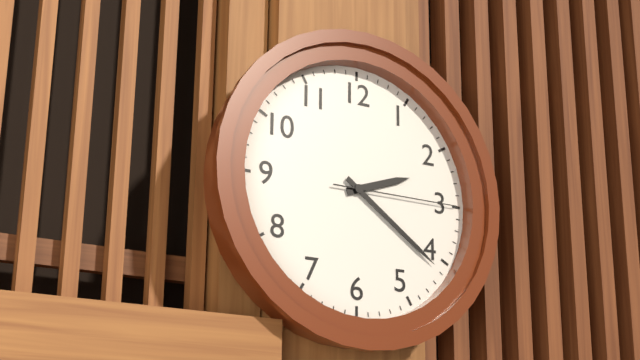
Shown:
2h21m15s
